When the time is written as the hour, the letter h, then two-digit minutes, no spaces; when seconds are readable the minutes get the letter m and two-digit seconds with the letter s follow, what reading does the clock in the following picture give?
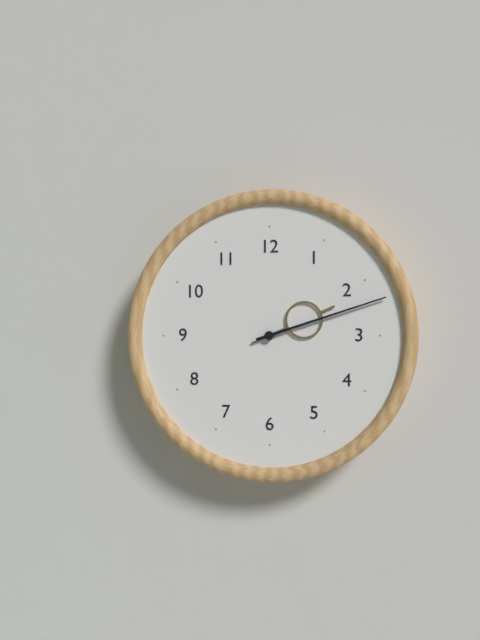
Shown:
2h12
